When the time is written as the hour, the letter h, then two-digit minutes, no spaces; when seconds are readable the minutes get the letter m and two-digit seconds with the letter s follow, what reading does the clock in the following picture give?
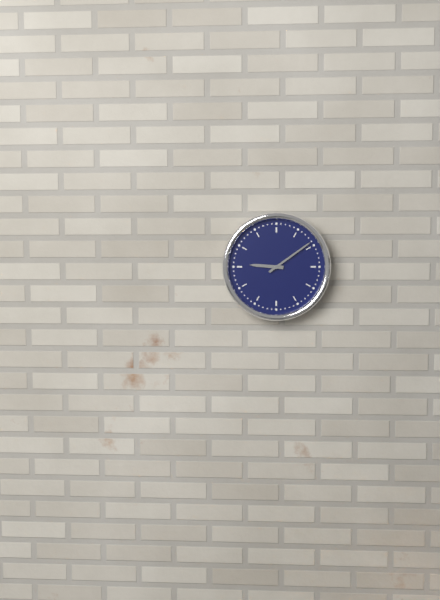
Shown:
9h09
